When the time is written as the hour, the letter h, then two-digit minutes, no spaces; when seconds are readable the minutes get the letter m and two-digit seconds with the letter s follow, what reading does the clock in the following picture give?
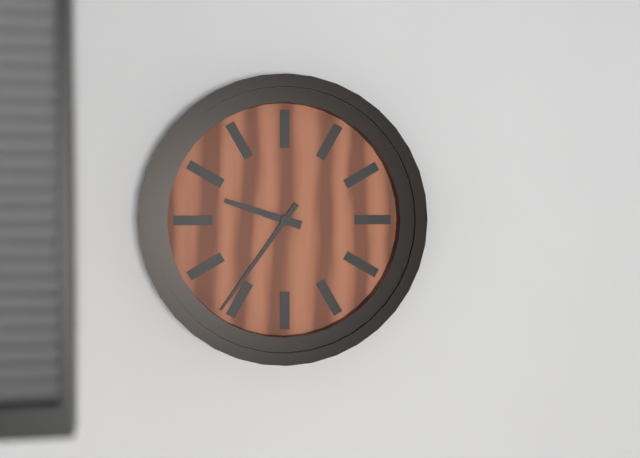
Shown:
9h36
